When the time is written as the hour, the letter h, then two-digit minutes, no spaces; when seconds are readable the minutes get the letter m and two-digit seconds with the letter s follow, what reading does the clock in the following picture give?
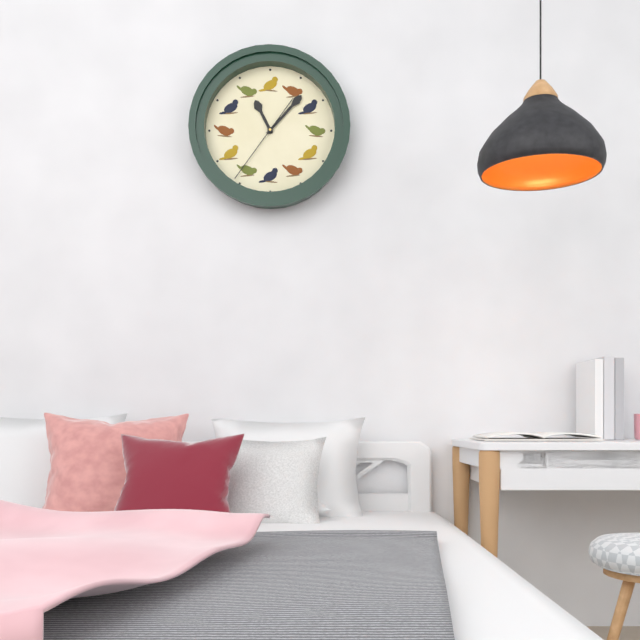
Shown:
11h07m36s
